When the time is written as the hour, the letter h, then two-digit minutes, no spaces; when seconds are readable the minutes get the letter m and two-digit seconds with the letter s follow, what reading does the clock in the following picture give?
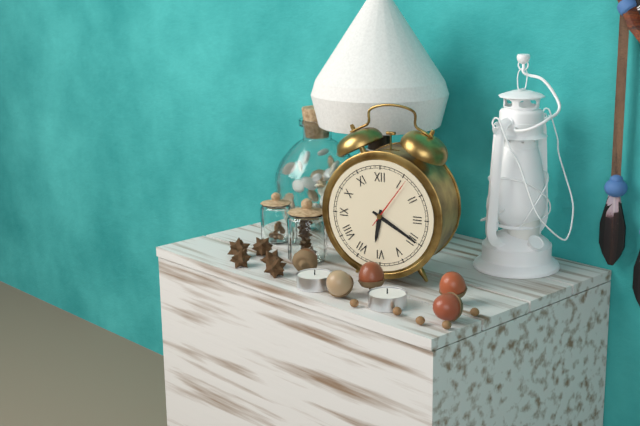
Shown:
6h20m06s
